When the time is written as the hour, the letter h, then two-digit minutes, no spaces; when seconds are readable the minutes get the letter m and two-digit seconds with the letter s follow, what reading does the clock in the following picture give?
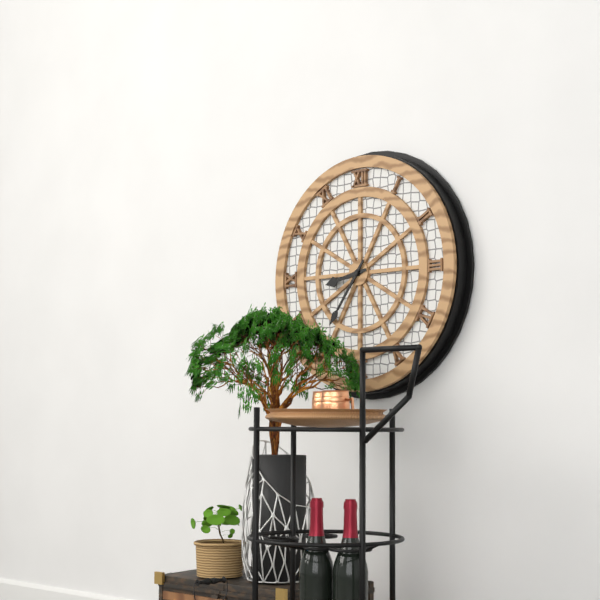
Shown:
8h36
